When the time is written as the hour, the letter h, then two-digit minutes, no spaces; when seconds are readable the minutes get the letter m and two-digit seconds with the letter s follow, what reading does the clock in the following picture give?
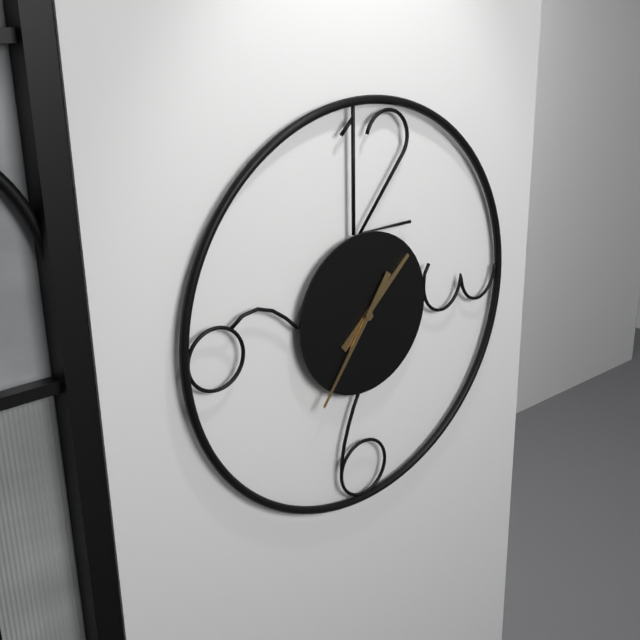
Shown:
1h36
